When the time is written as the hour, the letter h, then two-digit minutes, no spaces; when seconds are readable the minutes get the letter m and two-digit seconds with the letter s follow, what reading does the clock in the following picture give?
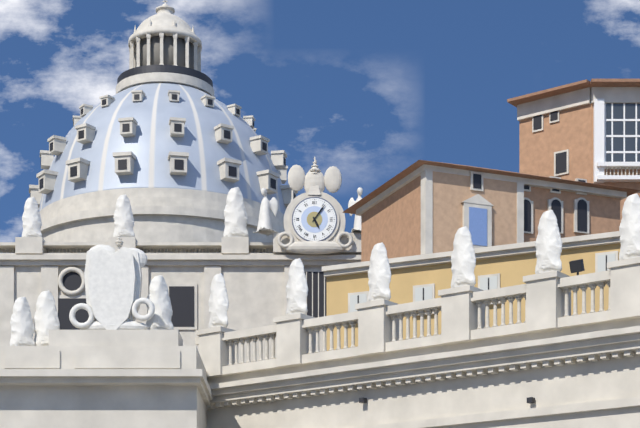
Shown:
5h06
